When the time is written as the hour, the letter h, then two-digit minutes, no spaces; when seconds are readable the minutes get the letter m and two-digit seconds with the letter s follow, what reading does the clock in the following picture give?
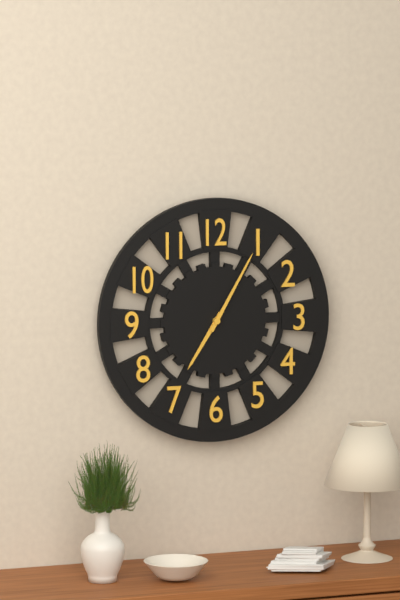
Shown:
7h05
